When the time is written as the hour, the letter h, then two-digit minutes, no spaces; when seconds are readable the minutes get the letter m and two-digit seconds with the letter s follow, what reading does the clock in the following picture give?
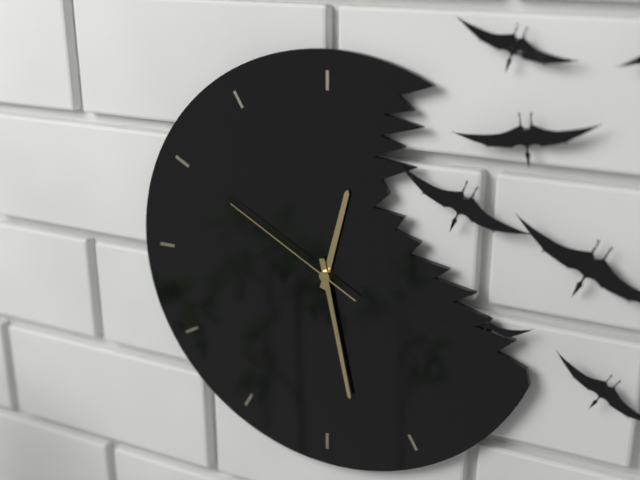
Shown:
12h28m50s
